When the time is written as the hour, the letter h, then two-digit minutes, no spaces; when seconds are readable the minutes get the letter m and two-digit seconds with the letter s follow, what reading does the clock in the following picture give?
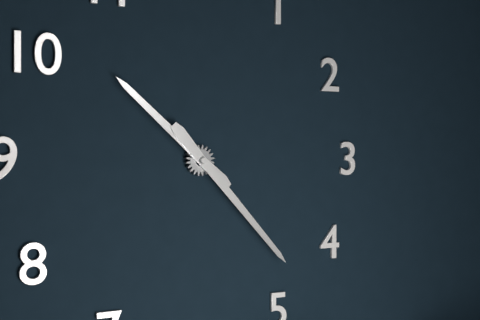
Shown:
10h23
